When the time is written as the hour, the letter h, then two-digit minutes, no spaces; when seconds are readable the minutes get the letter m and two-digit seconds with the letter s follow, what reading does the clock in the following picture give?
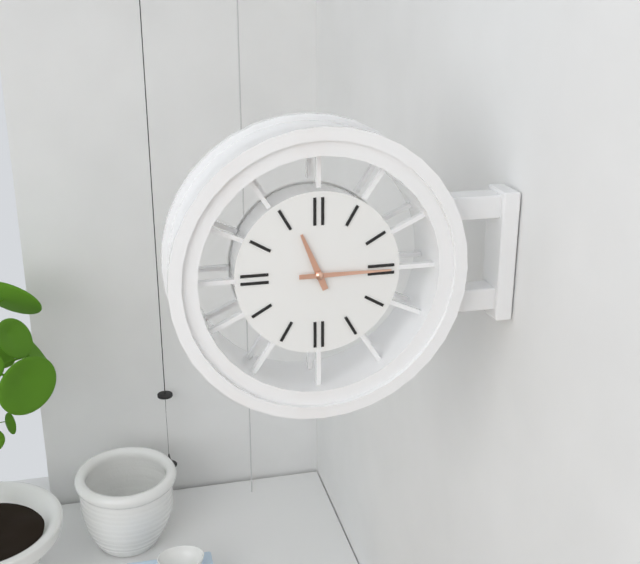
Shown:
11h15
